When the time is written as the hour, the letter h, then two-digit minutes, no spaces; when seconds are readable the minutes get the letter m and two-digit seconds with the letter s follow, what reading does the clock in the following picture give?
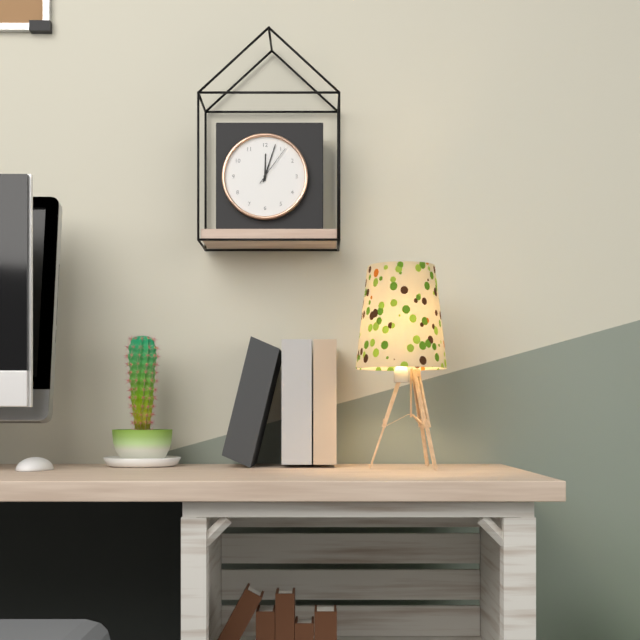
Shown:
12h03
